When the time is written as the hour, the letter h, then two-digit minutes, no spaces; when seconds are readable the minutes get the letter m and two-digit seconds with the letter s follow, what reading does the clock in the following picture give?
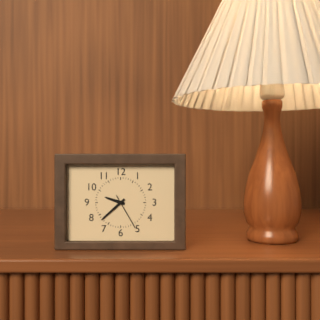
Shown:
9h38
